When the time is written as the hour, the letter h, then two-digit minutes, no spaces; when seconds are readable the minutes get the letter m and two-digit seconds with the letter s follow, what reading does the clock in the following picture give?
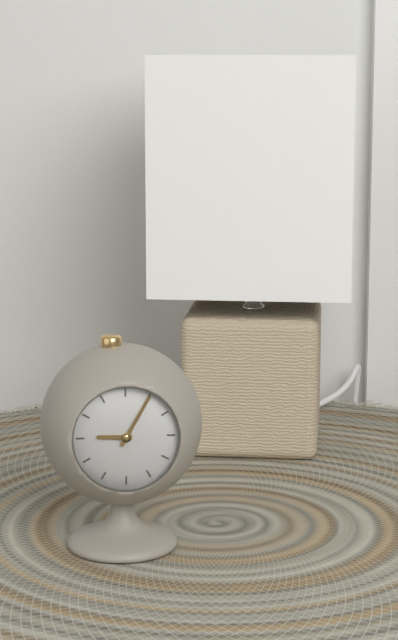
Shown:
9h05
